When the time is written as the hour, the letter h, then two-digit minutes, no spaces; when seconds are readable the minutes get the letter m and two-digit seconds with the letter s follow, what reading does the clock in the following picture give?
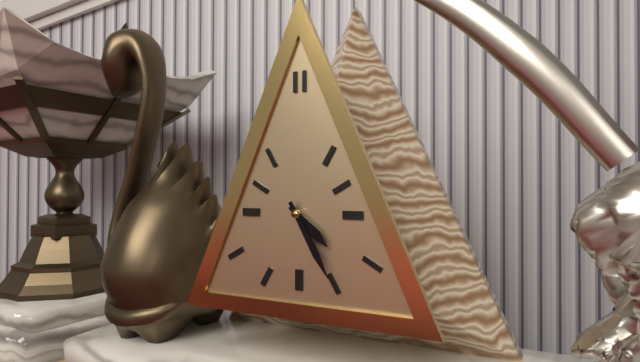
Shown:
4h25
